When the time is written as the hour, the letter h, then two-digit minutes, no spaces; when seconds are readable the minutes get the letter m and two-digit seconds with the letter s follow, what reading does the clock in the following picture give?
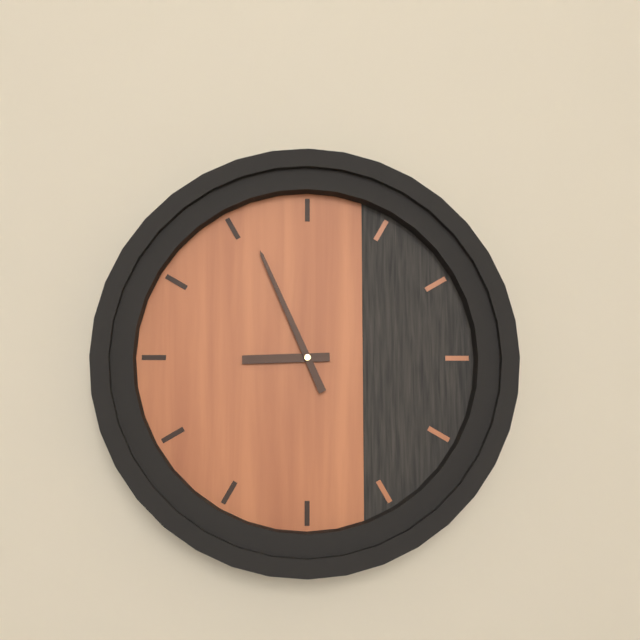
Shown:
8h56
